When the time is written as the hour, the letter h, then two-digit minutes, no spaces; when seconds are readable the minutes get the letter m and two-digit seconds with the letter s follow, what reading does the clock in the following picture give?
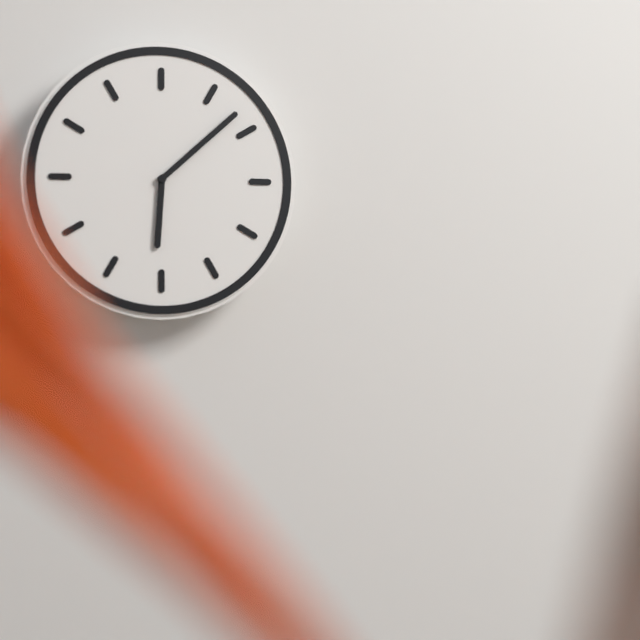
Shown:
6h08
